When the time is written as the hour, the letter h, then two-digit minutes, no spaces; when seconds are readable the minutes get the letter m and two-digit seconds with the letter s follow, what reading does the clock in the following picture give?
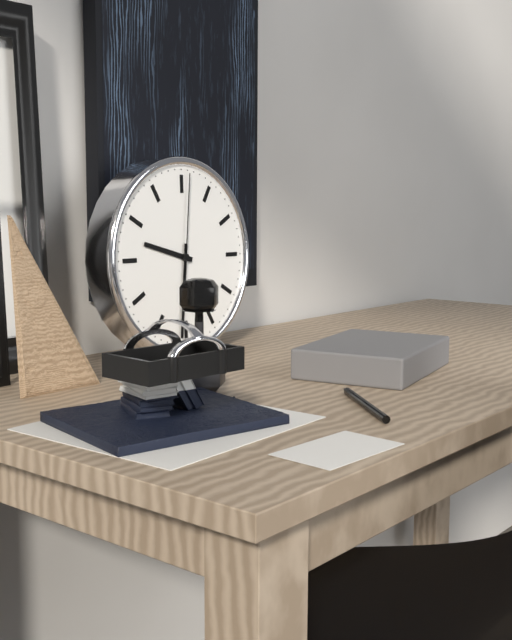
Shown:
9h31m01s
